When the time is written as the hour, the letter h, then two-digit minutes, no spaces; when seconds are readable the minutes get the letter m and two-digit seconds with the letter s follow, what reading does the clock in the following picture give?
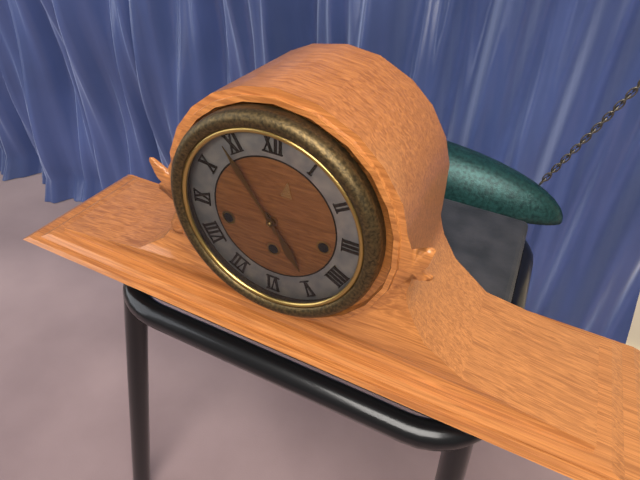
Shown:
4h54
